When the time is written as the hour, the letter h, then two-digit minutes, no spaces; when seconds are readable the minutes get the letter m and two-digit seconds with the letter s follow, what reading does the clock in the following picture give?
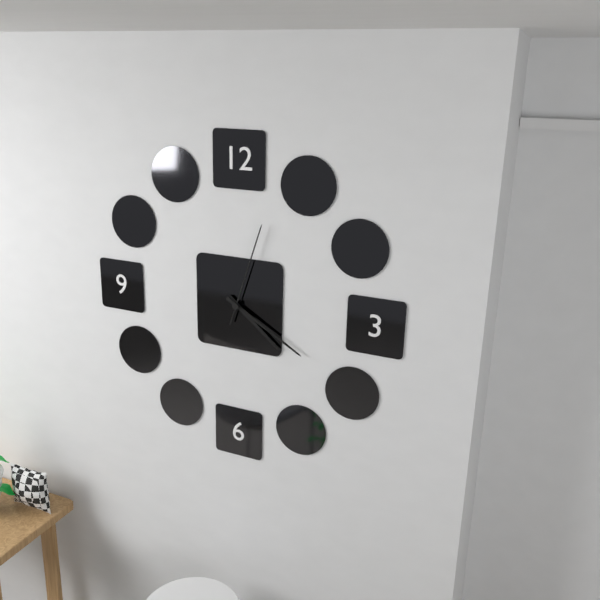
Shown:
4h20m03s
